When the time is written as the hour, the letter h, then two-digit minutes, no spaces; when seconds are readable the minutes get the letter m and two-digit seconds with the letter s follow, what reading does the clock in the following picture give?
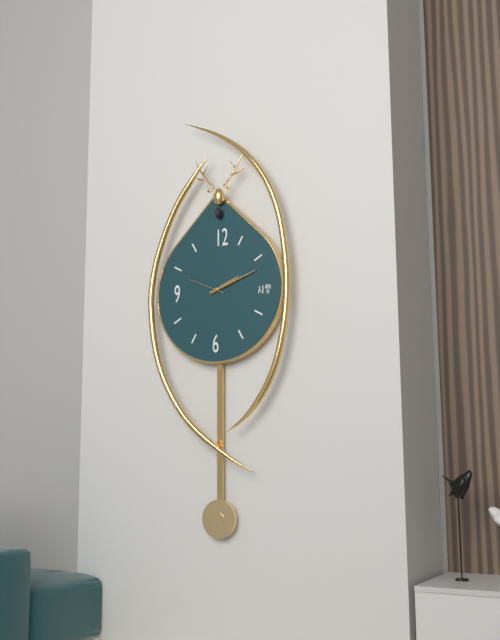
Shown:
2h12
